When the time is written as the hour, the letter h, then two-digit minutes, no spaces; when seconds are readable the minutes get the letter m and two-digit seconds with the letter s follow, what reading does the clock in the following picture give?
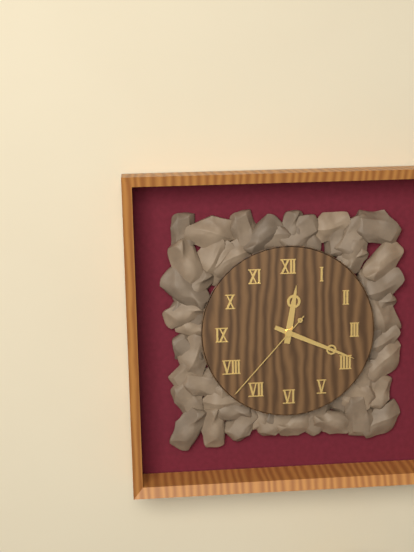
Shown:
12h19m37s
